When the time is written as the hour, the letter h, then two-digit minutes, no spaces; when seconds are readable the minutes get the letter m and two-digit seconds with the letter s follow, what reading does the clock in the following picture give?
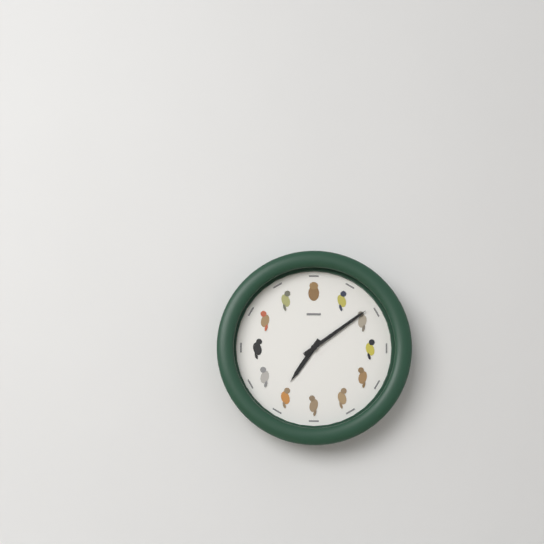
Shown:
7h09
